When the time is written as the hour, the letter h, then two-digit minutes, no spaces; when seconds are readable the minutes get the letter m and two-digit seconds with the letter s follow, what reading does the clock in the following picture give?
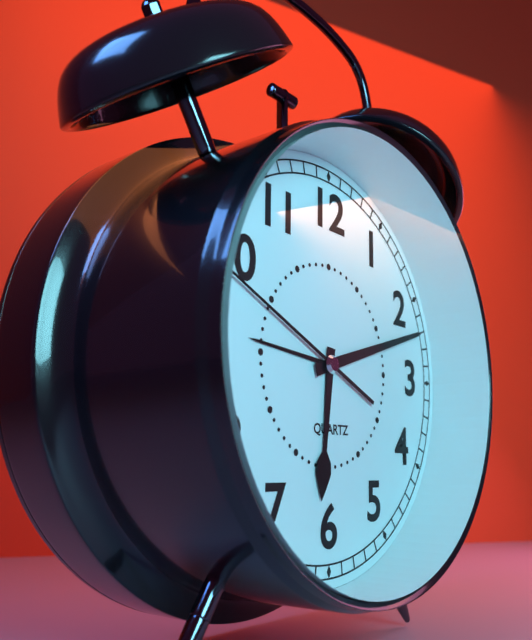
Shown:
6h12m49s
